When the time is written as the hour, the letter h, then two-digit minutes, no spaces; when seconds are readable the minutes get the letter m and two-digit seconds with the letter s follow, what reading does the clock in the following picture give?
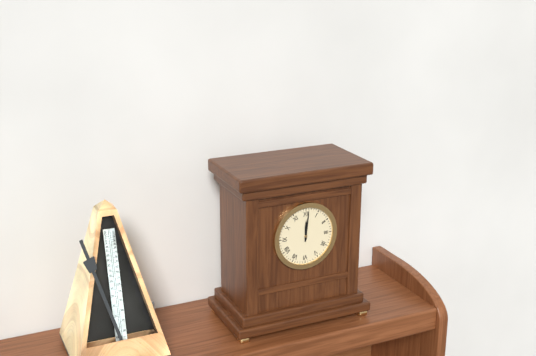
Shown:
12h01
